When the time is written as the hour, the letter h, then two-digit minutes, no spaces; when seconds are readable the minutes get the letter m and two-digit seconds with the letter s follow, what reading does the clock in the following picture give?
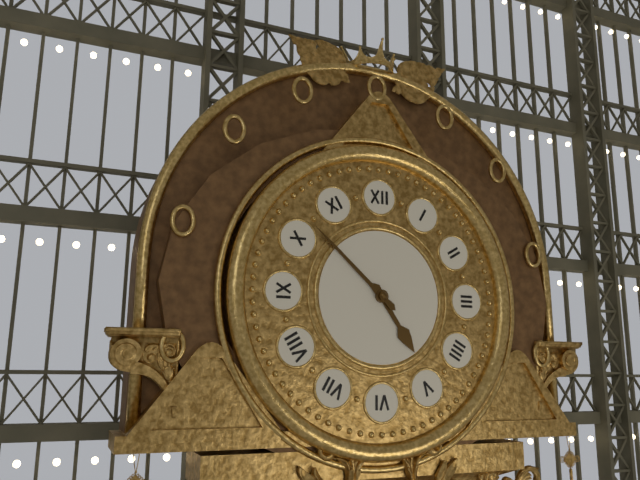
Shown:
4h52
